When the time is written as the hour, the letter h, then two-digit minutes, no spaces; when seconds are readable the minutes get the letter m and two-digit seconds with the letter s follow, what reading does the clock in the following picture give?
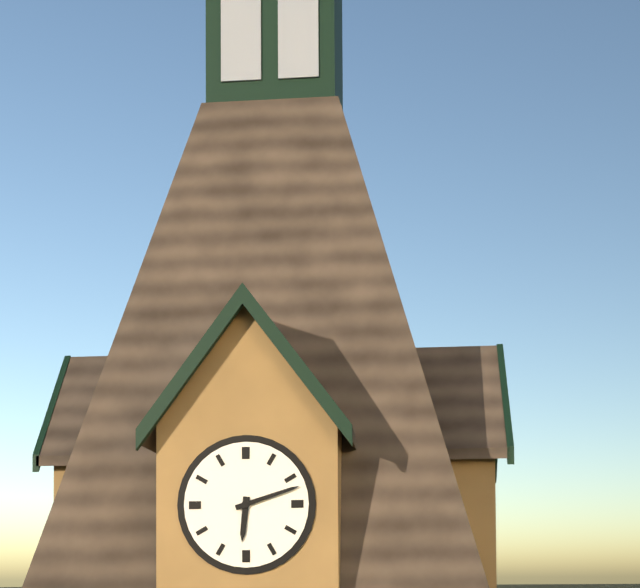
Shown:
6h12
